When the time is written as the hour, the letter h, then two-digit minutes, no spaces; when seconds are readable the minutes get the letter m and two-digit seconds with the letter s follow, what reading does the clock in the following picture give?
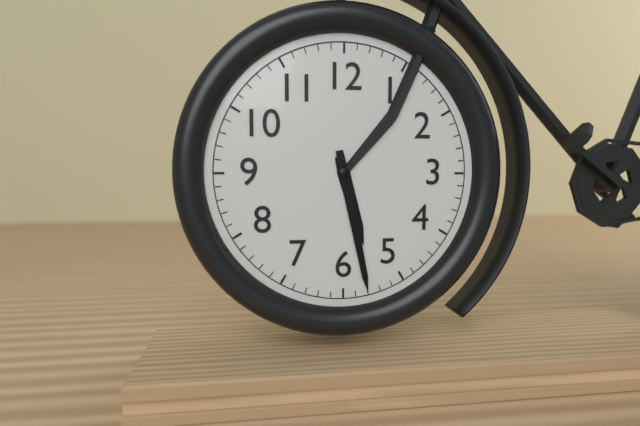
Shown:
5h28
